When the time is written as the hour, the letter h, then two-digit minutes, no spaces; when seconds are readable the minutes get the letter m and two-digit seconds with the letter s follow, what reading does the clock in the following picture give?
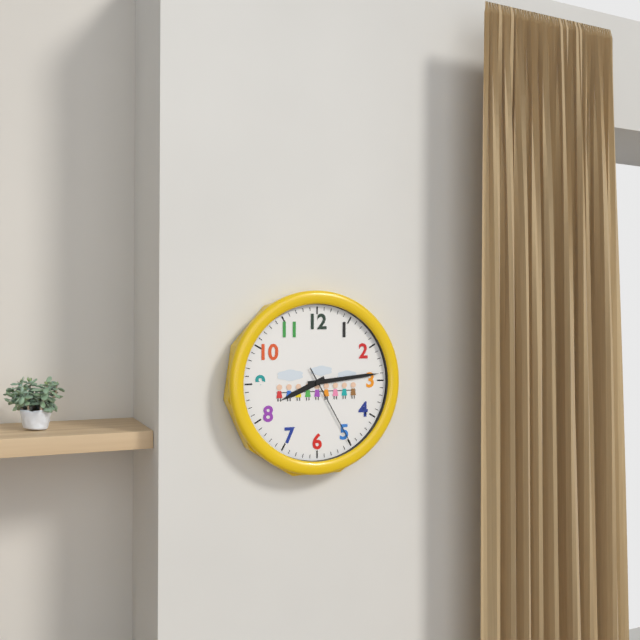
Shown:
8h14m25s
